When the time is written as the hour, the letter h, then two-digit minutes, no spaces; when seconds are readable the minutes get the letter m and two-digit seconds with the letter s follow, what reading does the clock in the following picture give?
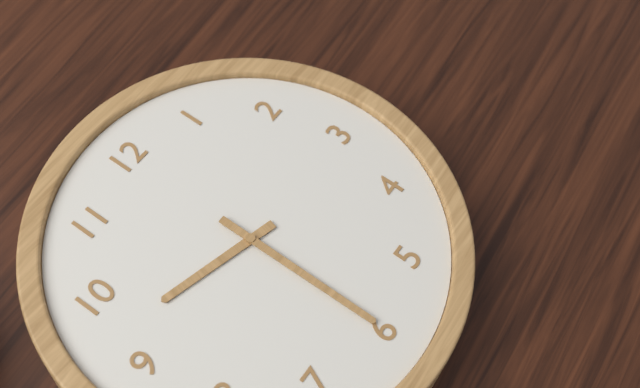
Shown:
9h30
